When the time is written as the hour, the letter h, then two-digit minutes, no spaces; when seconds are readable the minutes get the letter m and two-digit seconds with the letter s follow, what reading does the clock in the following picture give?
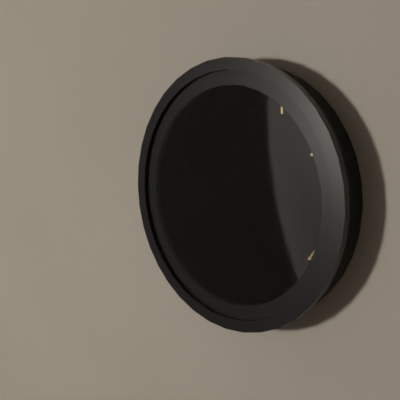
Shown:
10h30
